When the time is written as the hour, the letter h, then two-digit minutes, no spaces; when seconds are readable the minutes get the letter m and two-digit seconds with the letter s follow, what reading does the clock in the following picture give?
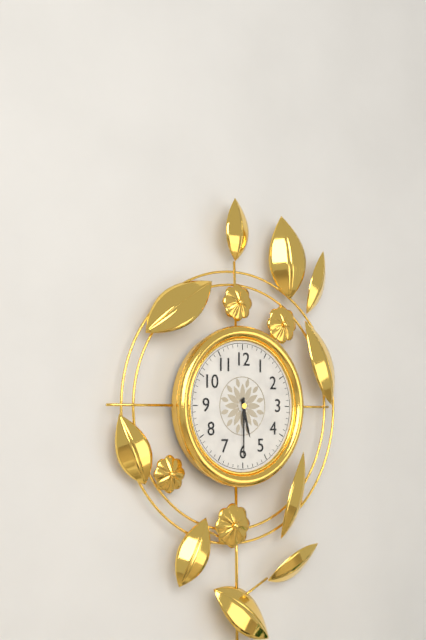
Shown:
5h30
